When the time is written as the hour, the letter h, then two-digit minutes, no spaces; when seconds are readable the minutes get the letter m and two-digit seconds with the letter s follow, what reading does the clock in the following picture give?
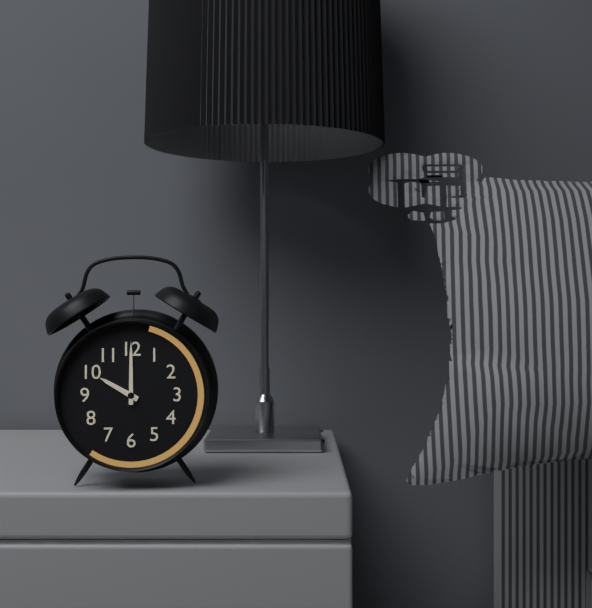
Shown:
10h00
